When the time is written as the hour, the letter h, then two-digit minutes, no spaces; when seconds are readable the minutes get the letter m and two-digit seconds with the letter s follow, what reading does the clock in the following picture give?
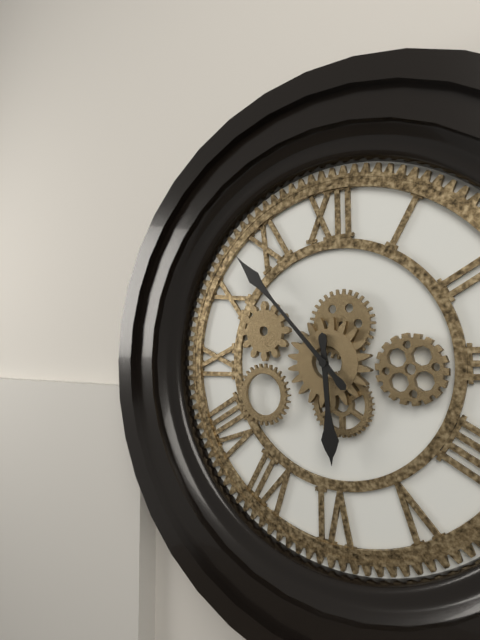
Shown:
5h53
